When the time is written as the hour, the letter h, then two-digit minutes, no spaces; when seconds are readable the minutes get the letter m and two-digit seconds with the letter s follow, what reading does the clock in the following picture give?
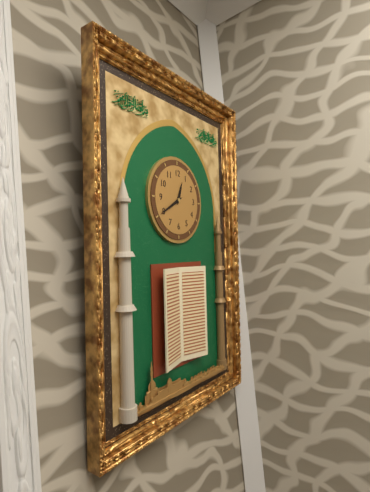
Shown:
12h40
